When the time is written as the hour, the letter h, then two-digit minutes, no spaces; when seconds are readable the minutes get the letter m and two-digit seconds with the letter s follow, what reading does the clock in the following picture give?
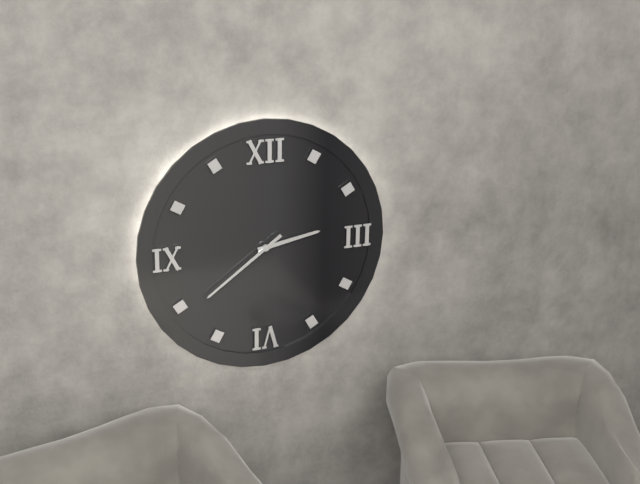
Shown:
2h39
